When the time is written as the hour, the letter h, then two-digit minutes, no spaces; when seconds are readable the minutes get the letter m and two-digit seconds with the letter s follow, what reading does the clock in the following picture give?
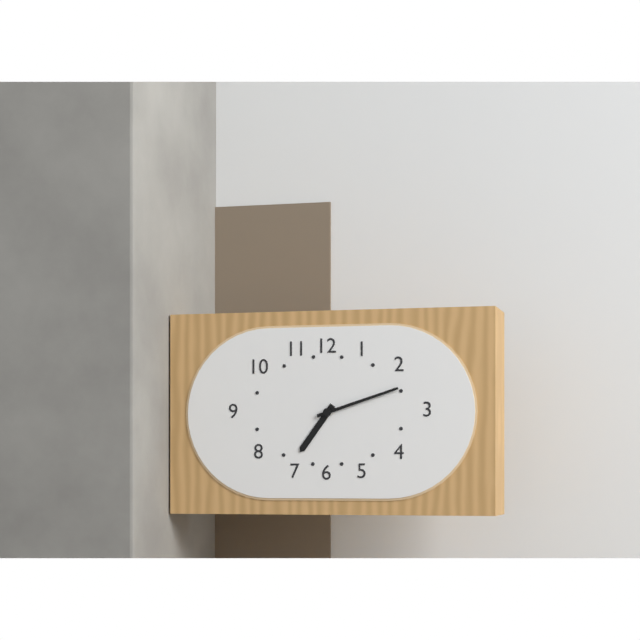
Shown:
7h12
